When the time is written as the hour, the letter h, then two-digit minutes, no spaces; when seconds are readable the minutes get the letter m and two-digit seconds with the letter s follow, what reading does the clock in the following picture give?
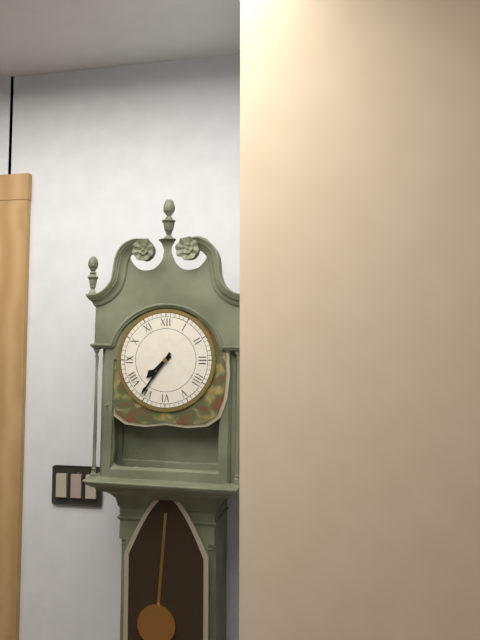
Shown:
7h36
